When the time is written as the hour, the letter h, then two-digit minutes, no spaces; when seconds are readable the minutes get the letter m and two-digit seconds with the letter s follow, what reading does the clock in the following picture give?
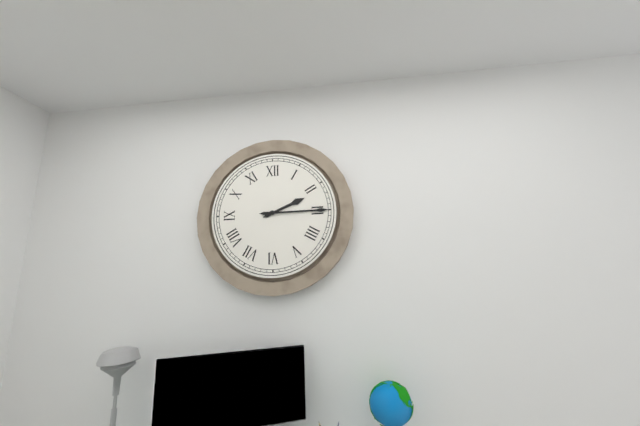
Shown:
2h15
